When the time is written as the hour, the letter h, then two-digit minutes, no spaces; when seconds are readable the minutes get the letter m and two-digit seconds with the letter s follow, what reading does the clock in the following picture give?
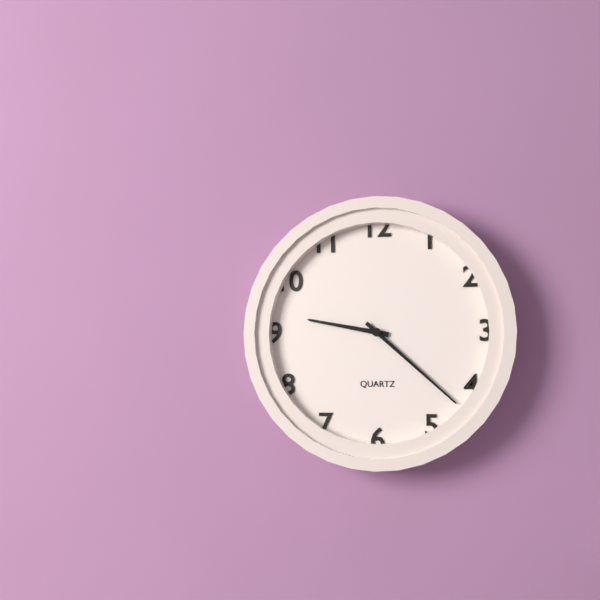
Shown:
9h22
